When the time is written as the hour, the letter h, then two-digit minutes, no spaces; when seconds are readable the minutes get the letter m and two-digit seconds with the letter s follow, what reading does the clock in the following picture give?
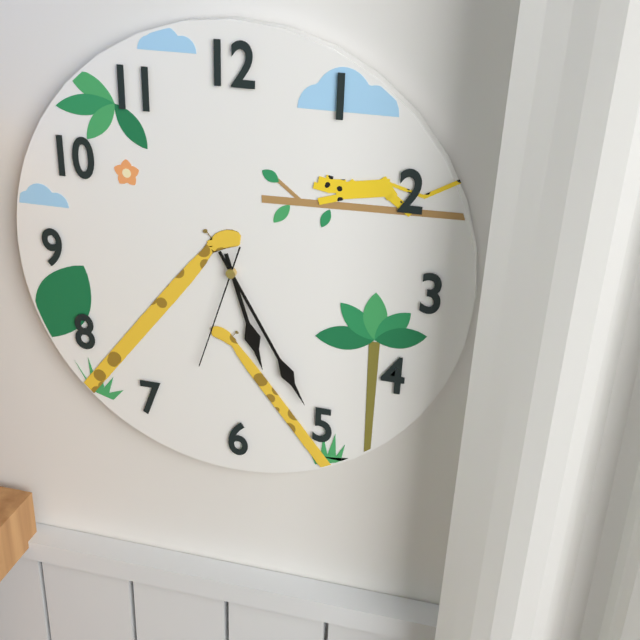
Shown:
5h25m33s
